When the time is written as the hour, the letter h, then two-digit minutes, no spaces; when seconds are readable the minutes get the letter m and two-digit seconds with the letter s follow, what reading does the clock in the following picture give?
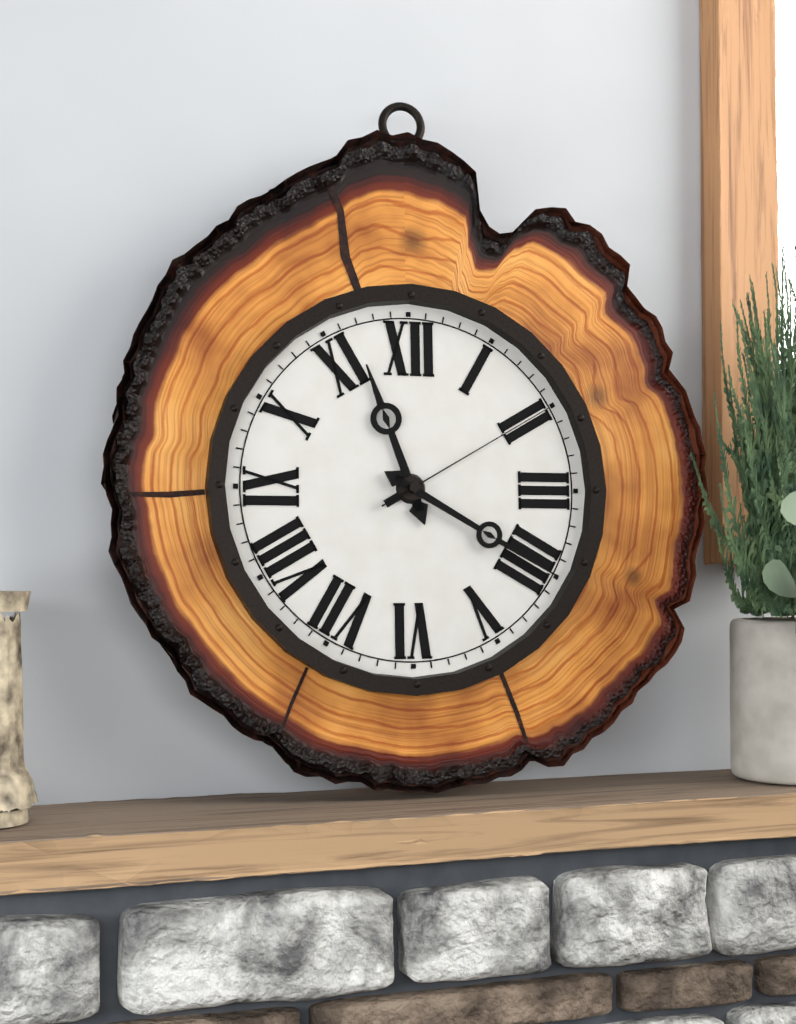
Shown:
11h20m10s
